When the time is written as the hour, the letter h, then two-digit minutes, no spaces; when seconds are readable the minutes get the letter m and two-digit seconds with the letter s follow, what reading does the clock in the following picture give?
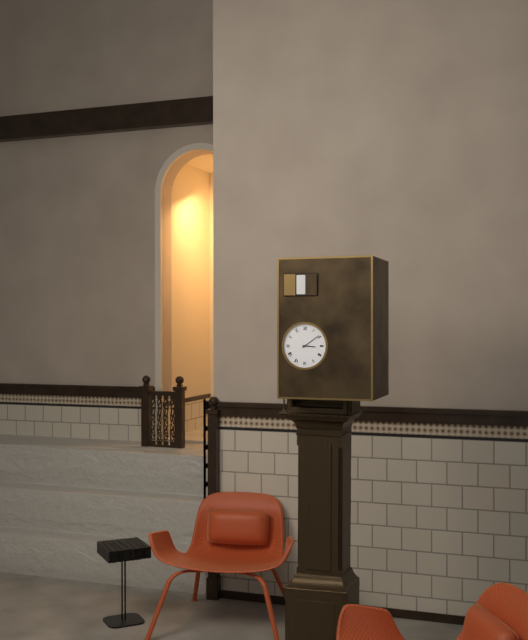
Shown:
3h09
